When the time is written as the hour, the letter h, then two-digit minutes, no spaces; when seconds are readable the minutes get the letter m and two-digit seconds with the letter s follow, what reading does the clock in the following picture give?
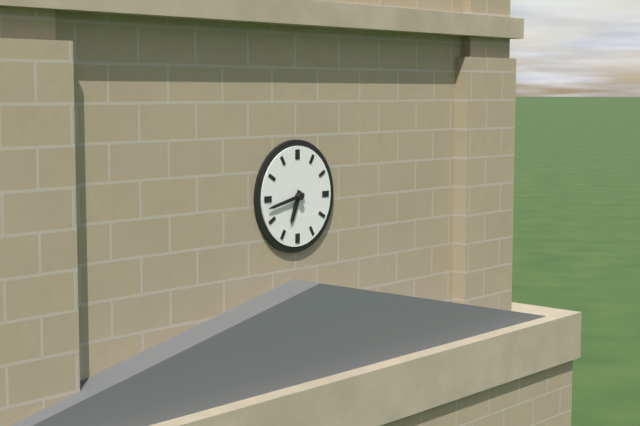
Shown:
6h43
